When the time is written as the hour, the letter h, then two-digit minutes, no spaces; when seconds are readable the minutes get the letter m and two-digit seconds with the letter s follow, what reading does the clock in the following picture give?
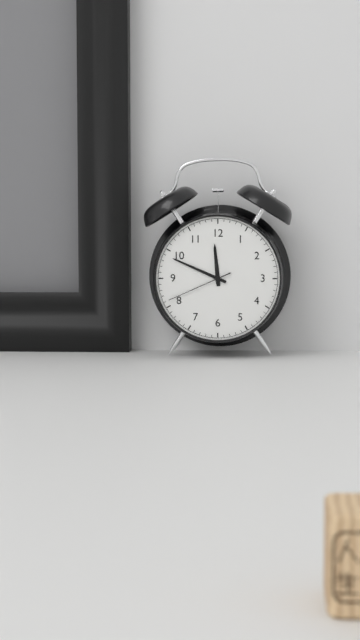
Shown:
11h49m41s
